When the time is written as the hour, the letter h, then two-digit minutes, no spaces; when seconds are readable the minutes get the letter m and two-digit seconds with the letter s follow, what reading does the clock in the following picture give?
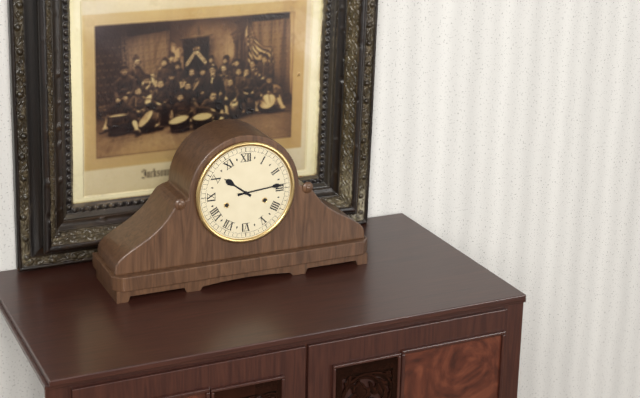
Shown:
10h14
